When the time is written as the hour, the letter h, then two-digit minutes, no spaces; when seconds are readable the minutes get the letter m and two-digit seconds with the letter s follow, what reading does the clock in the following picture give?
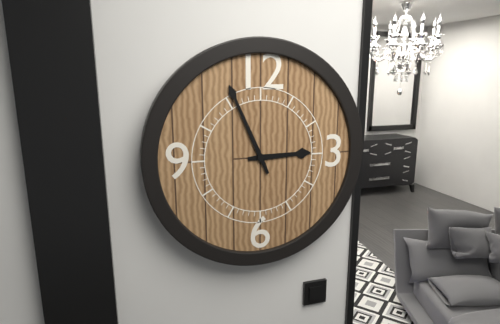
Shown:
2h56
